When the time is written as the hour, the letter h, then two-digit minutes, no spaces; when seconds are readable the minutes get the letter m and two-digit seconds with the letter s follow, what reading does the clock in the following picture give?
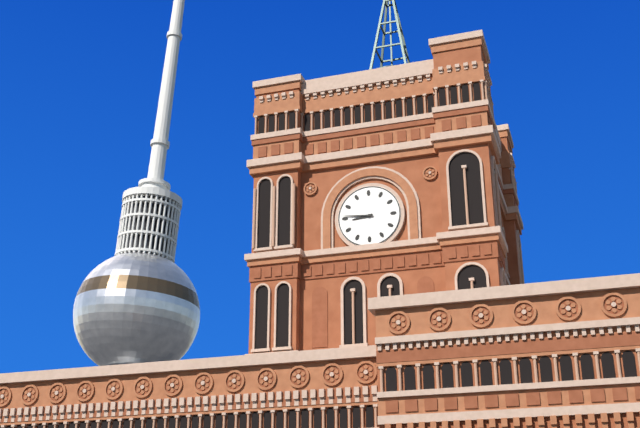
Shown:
8h46
